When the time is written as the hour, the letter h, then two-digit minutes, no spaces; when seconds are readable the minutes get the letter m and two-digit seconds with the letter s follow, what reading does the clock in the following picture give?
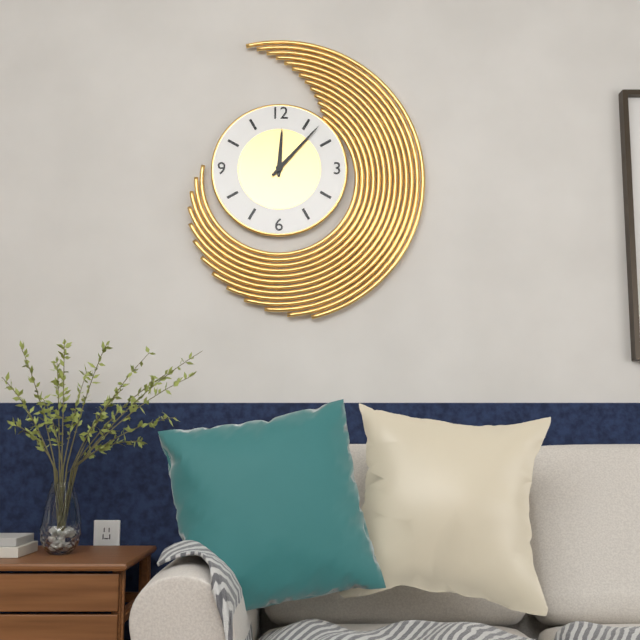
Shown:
12h07
